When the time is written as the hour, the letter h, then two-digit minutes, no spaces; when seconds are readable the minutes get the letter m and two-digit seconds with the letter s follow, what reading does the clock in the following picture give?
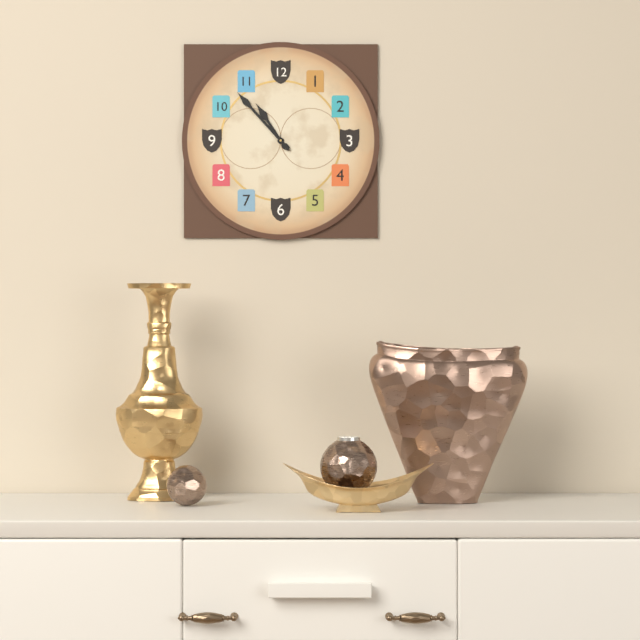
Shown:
10h53
